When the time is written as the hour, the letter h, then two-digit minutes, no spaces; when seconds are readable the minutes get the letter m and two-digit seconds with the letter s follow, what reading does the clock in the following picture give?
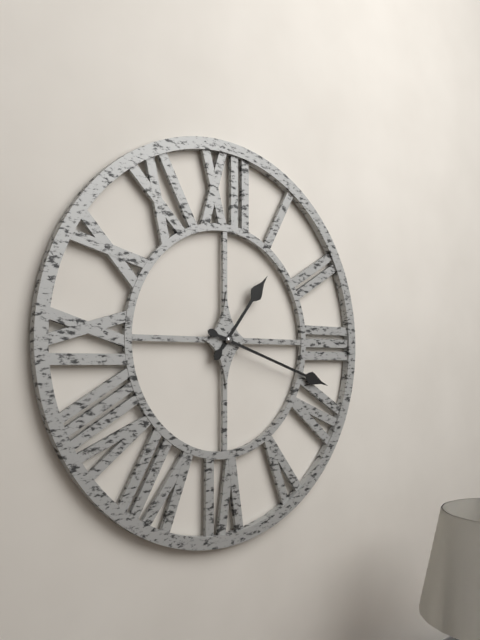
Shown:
1h18
